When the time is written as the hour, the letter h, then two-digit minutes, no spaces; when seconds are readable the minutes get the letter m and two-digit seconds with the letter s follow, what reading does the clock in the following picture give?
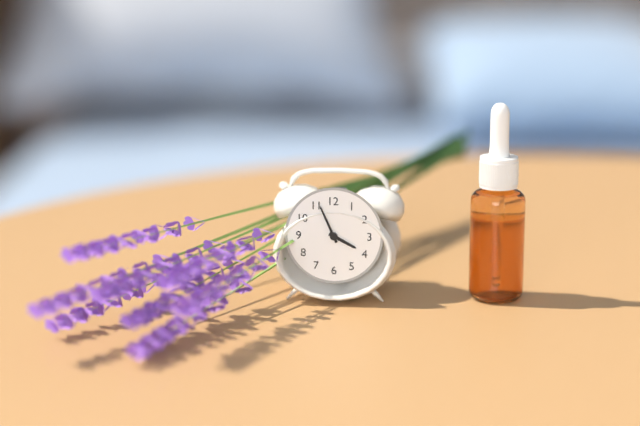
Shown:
3h56
